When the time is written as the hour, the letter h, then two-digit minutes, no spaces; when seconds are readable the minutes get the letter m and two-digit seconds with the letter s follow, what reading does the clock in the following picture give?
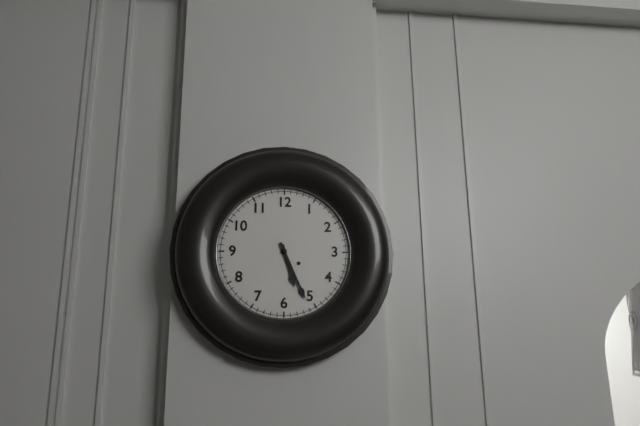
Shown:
5h26
